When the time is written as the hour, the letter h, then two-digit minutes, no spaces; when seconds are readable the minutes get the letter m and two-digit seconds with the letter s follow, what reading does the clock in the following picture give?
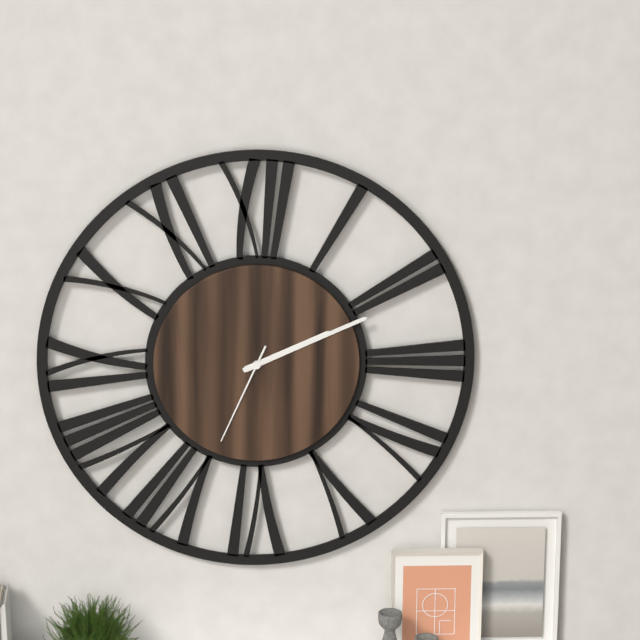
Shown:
2h11m34s
